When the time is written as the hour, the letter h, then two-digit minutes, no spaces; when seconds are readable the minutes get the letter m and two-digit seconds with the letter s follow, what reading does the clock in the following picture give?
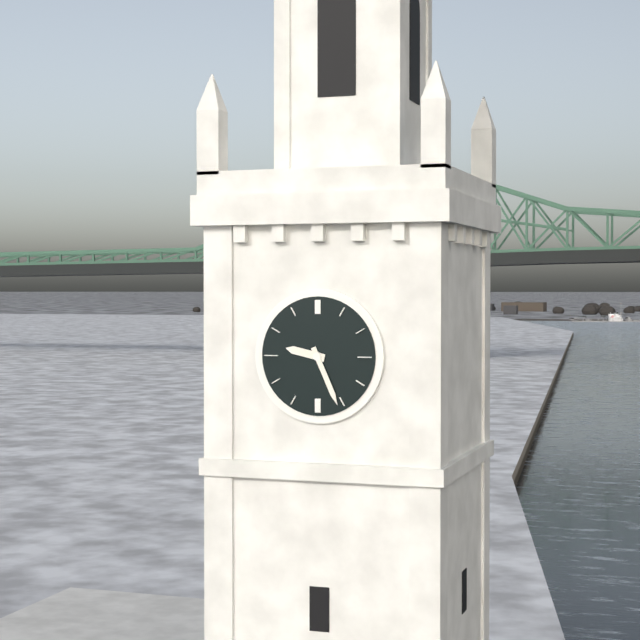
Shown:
9h26
